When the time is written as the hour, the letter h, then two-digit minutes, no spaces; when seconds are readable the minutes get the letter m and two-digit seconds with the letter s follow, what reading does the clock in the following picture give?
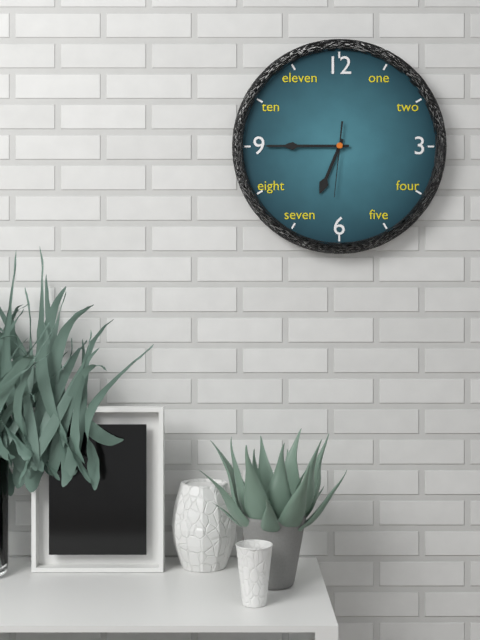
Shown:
6h45m31s
